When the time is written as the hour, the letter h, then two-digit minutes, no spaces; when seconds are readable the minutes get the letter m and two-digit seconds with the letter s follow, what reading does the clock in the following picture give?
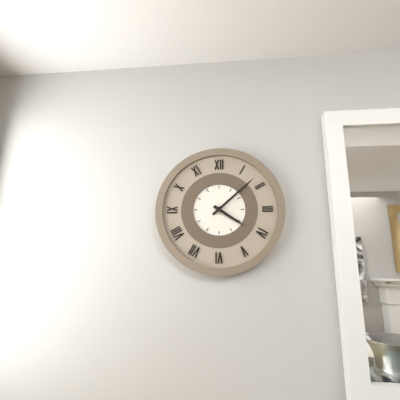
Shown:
4h08
